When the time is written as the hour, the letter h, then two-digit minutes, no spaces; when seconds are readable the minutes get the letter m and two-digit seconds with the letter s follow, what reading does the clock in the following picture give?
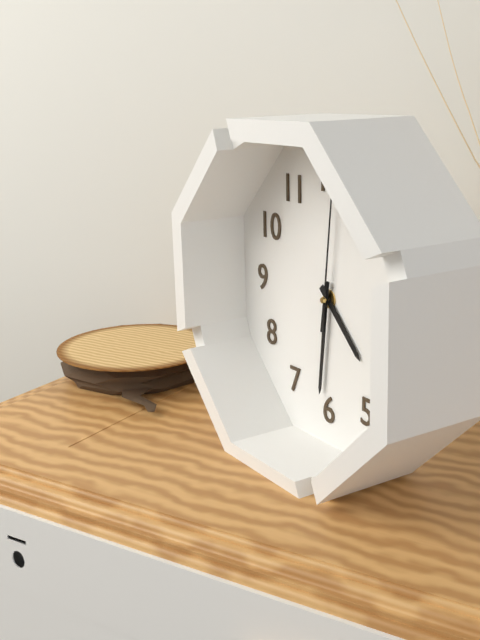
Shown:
4h31m01s
